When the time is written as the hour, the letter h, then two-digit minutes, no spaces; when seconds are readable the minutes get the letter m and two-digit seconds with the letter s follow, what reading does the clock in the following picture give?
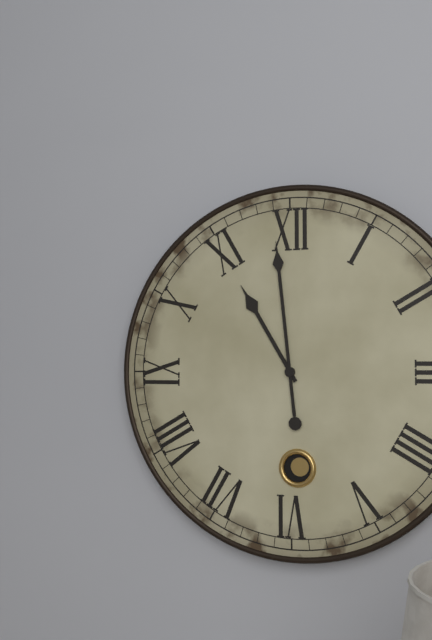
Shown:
10h59
